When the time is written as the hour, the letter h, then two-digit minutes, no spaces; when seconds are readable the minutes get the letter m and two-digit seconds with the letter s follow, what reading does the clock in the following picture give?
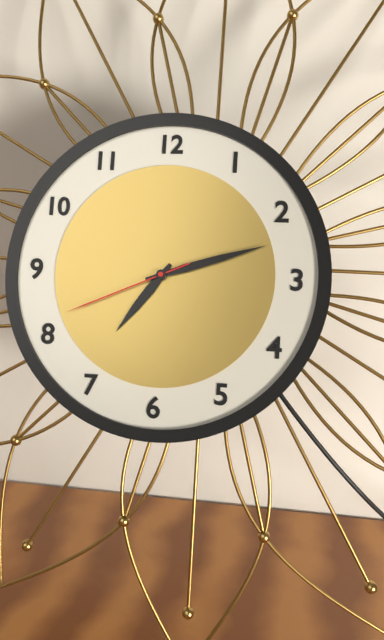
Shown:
7h12m41s
